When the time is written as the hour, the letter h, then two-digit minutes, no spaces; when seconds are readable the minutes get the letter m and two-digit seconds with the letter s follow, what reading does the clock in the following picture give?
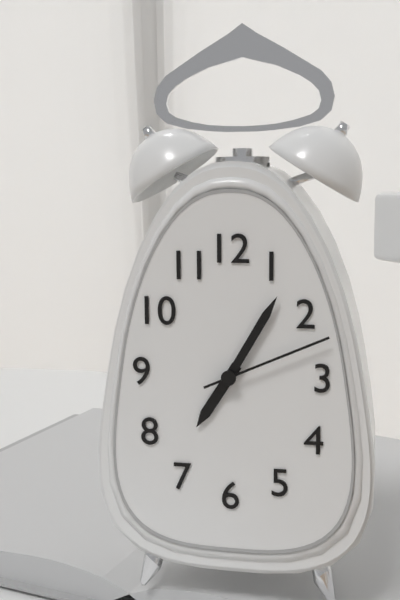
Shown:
7h05m11s
